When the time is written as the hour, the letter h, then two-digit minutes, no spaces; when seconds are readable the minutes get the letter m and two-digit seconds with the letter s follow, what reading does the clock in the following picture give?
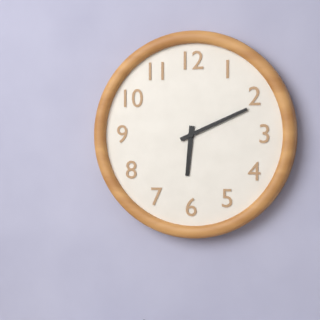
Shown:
6h11
